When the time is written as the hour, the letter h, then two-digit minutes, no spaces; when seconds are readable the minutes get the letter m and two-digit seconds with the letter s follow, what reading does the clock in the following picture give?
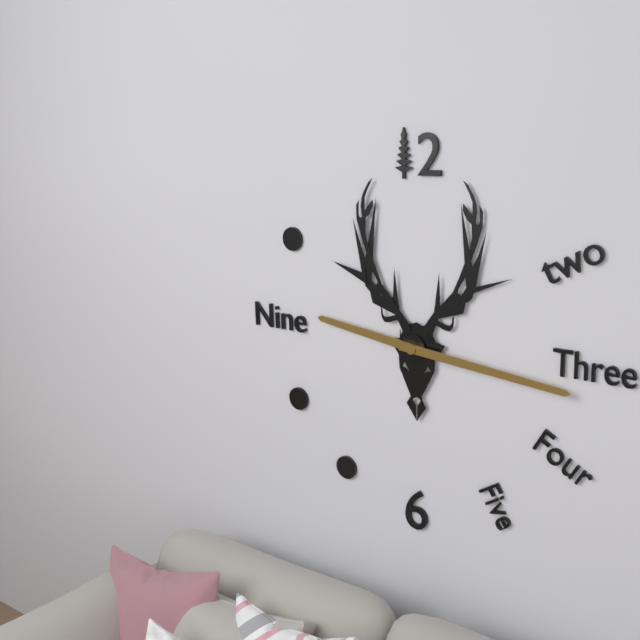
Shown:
9h16
